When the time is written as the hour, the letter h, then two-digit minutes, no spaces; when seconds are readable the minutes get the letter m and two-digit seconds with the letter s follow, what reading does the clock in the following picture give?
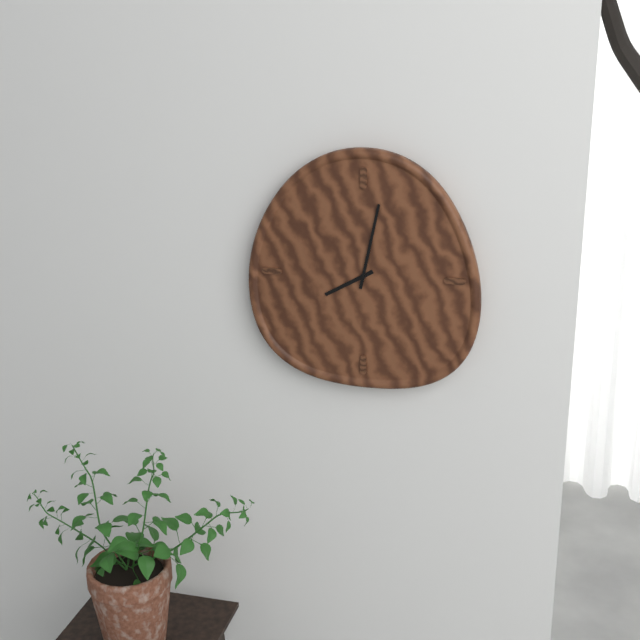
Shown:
8h02
